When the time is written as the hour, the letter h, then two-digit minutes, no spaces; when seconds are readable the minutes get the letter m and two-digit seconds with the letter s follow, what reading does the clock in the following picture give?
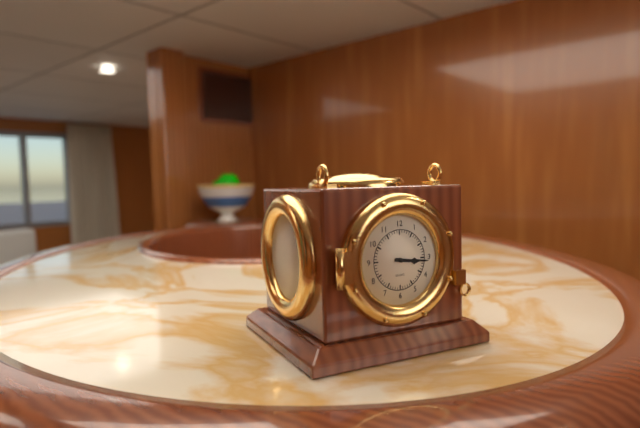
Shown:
3h16
